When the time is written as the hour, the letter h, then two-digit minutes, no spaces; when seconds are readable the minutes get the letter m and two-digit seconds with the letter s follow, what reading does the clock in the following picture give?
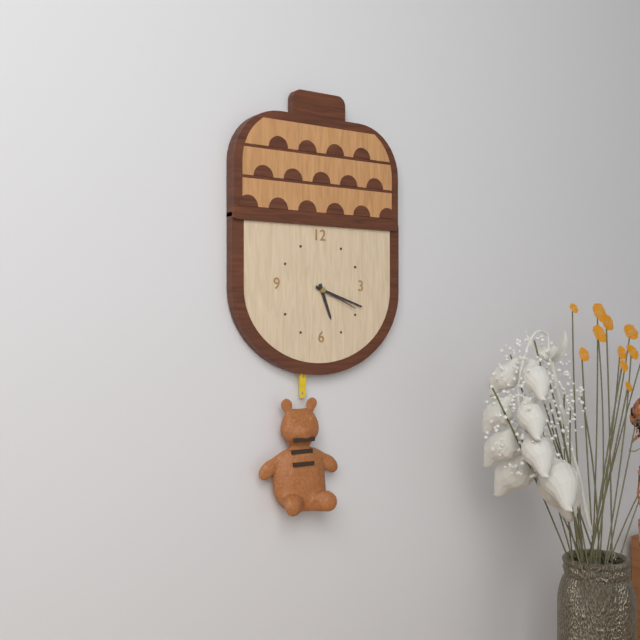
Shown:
5h18m19s
